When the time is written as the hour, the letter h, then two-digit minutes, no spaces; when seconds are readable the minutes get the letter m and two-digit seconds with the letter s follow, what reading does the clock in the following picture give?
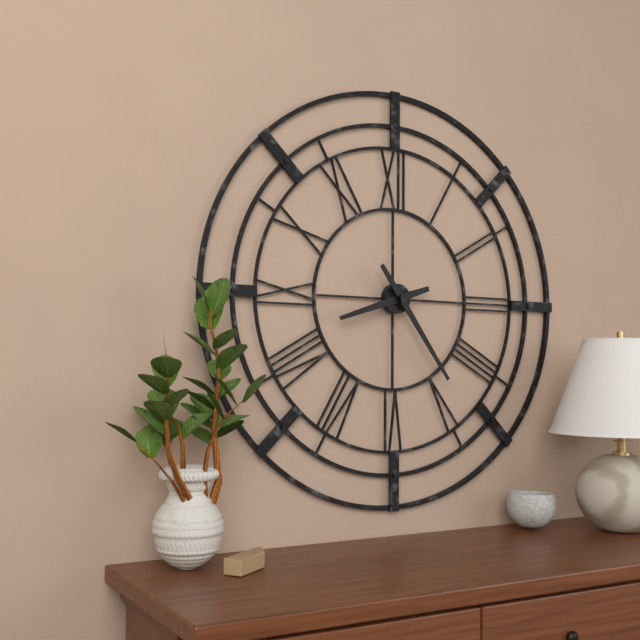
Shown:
8h24
